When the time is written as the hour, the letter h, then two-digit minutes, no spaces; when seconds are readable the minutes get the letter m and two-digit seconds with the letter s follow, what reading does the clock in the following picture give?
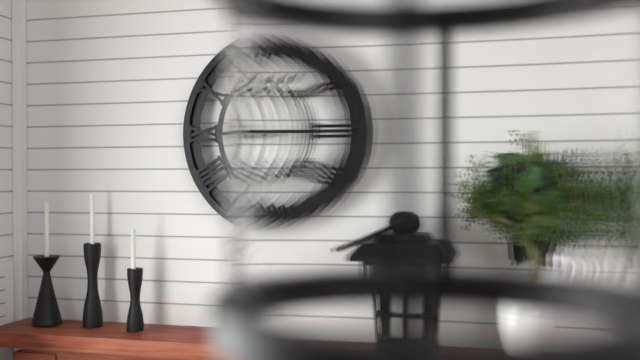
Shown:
3h08
